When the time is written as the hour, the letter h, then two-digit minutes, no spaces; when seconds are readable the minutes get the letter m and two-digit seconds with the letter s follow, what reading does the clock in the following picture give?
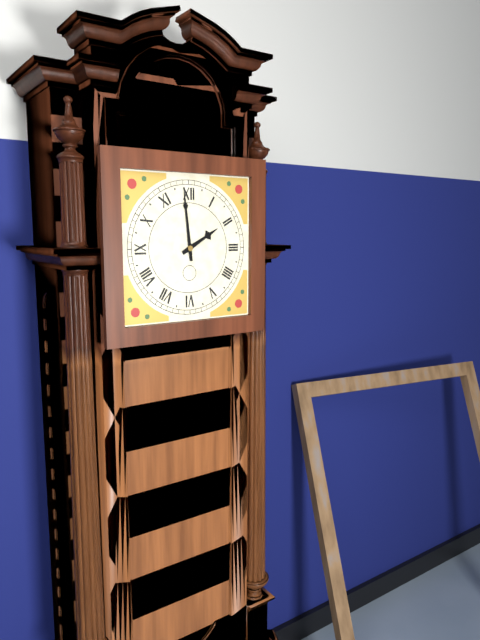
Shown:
1h59
